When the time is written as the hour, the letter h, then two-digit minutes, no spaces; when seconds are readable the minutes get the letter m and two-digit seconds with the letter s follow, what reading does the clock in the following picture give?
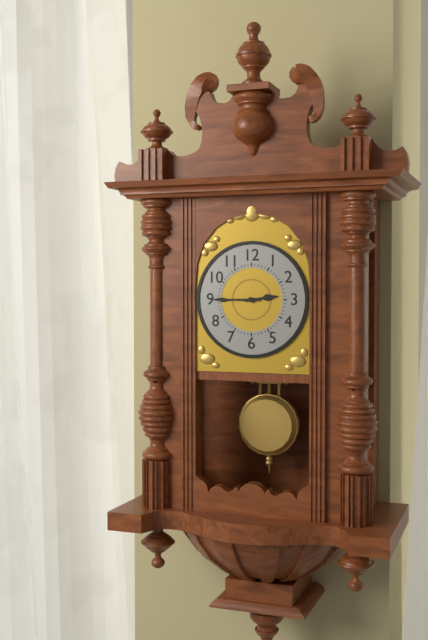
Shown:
2h45
